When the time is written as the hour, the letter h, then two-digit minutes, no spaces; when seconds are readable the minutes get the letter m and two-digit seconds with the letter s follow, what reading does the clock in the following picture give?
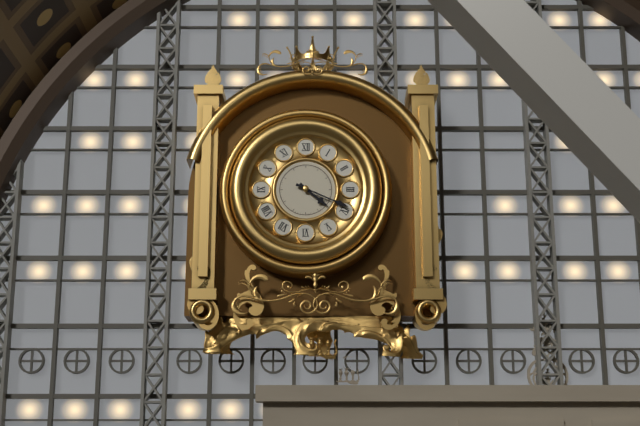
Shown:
4h19
